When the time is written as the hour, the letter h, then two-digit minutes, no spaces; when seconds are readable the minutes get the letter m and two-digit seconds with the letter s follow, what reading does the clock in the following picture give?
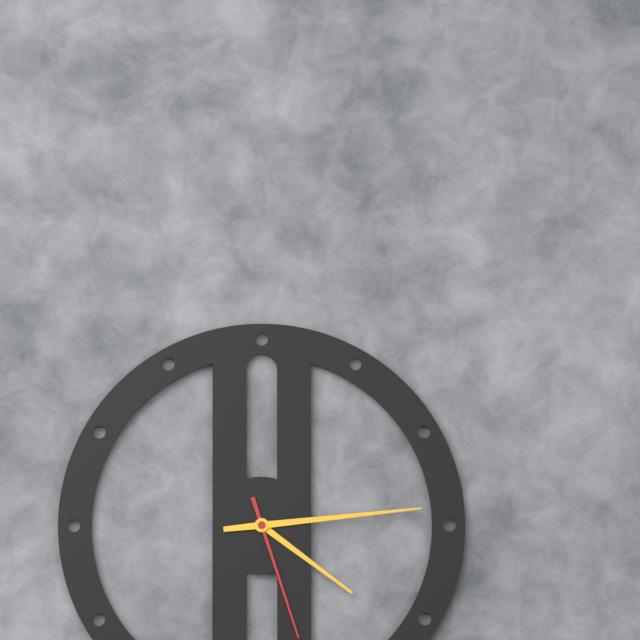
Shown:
4h14m27s
